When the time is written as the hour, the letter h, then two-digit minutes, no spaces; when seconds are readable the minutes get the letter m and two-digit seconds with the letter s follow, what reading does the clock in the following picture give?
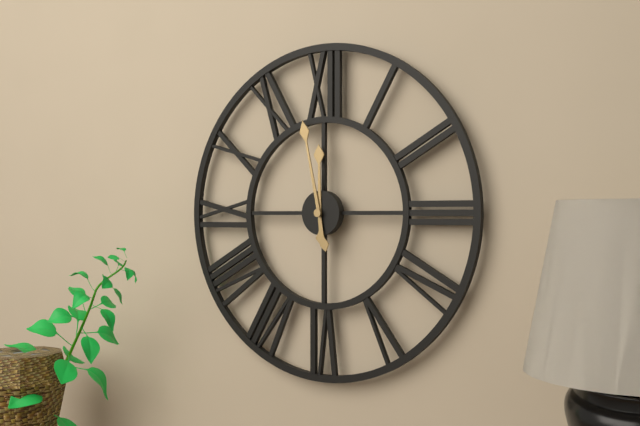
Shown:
11h58
